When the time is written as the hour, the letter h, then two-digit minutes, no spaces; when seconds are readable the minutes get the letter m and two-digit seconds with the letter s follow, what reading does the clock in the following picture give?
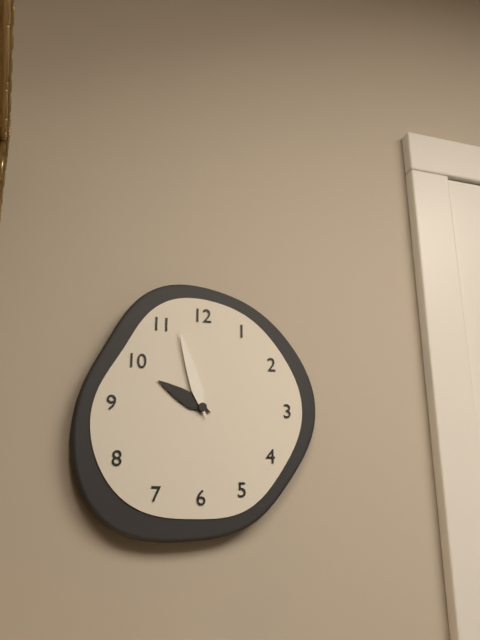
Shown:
9h57
